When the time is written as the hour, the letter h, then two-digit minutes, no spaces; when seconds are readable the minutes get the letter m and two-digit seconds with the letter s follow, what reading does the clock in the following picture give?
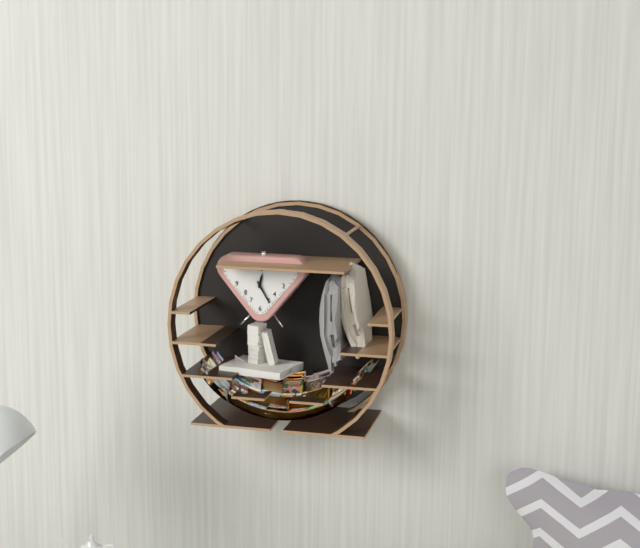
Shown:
12h25
